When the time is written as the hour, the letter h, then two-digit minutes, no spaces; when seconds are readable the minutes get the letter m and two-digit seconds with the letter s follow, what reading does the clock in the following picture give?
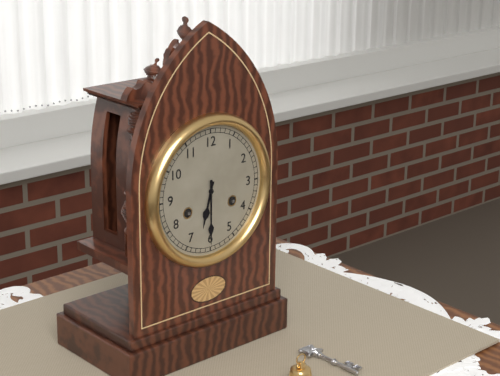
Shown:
6h30
